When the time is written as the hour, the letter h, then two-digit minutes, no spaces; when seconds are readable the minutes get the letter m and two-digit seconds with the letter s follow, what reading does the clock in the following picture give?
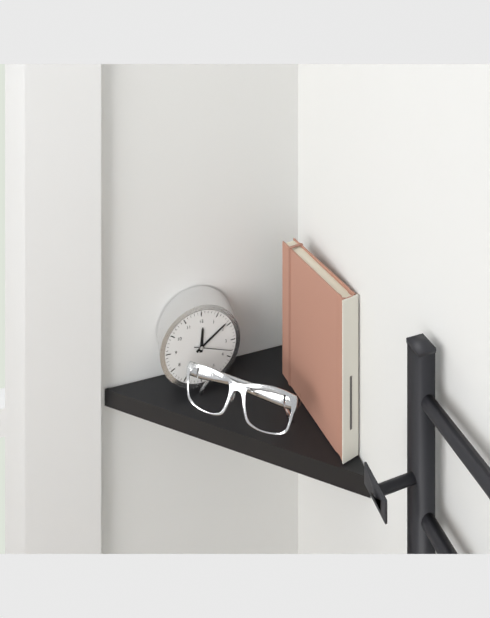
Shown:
12h09
